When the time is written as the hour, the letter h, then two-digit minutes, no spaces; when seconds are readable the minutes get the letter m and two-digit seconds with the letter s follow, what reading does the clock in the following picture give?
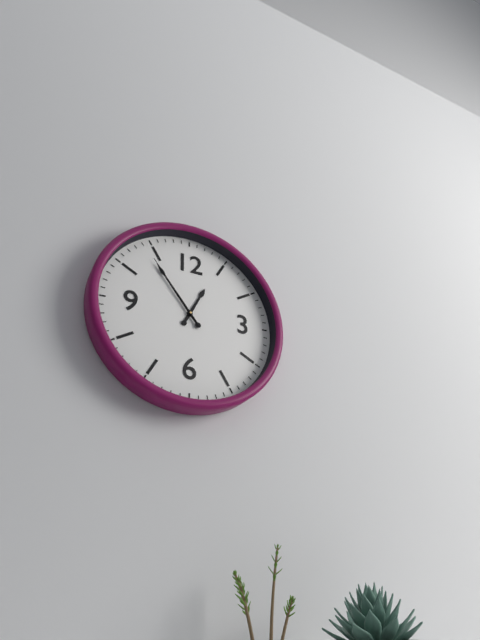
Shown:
12h54m54s
